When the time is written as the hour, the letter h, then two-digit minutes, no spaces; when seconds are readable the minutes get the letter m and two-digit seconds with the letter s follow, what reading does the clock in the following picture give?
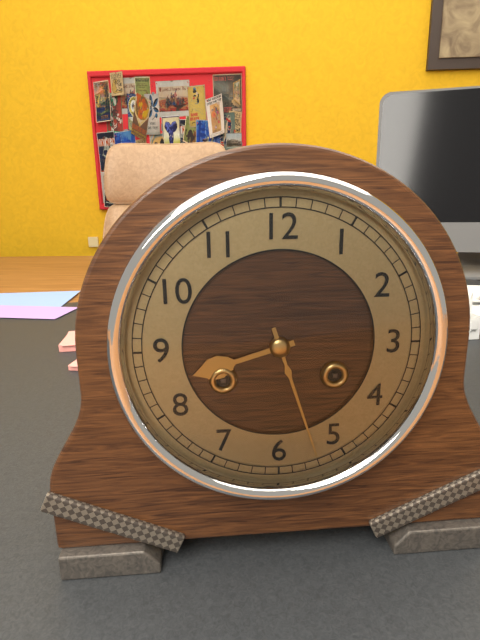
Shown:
8h27
